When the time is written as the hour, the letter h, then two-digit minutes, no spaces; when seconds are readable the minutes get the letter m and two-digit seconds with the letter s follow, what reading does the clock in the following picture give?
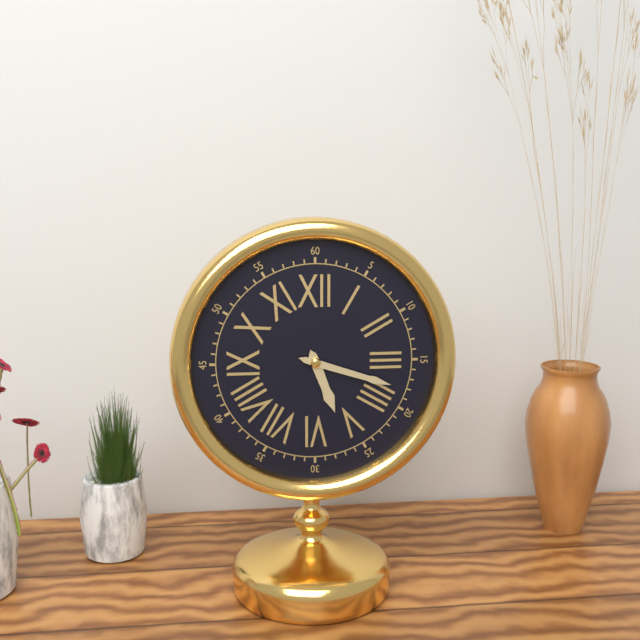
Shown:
5h18
